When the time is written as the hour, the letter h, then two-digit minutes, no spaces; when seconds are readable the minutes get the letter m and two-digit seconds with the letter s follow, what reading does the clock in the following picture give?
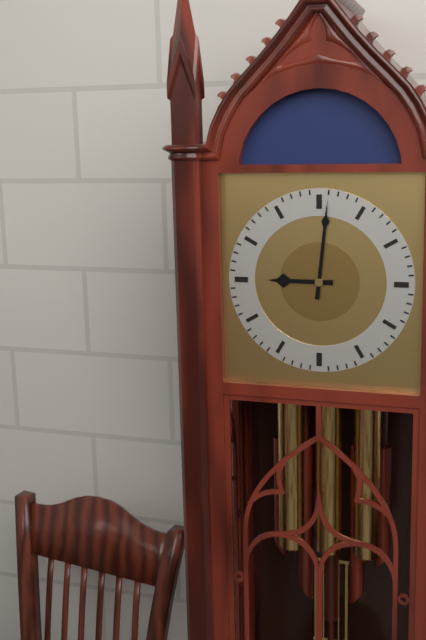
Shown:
9h01
